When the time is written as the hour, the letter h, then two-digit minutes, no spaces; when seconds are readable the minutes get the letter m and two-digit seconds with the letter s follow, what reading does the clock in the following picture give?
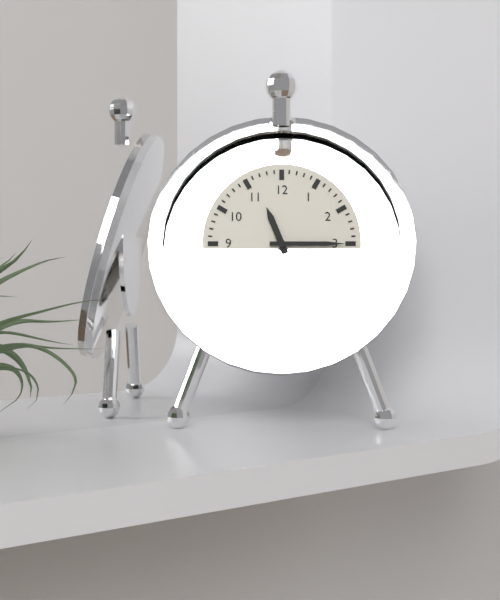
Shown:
11h15
